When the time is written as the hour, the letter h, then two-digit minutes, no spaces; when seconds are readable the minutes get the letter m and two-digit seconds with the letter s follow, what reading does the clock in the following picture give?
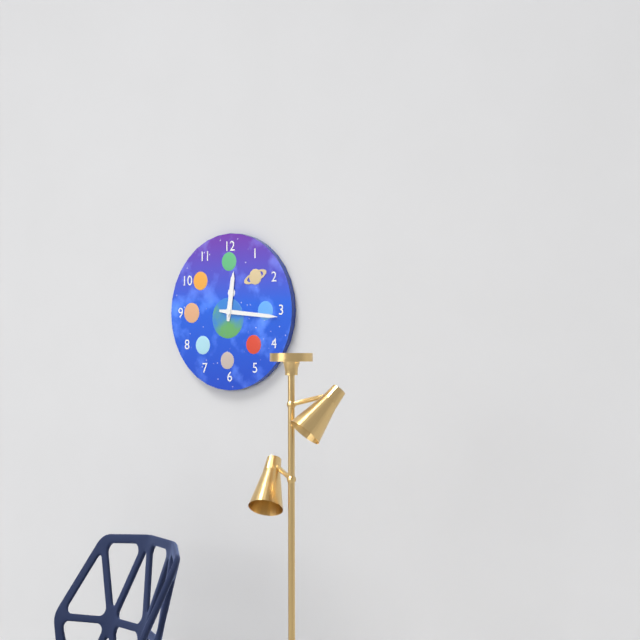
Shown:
12h16
